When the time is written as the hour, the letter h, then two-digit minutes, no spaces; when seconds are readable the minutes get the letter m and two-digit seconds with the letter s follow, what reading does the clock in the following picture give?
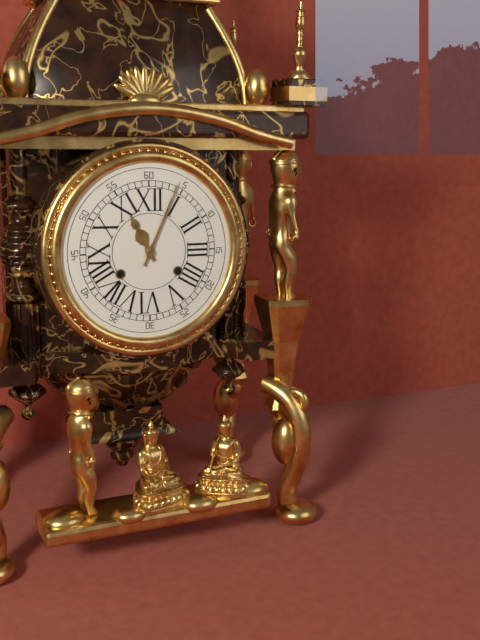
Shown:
11h04
